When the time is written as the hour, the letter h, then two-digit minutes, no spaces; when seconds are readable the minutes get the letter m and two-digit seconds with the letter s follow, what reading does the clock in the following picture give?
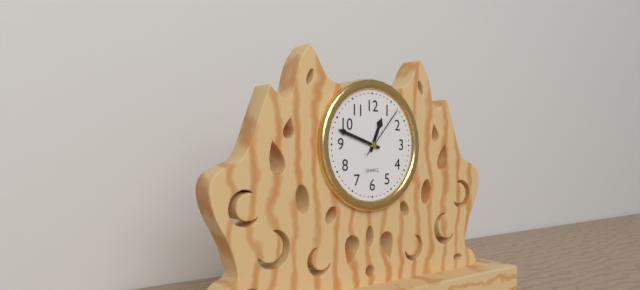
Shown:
12h48m07s
